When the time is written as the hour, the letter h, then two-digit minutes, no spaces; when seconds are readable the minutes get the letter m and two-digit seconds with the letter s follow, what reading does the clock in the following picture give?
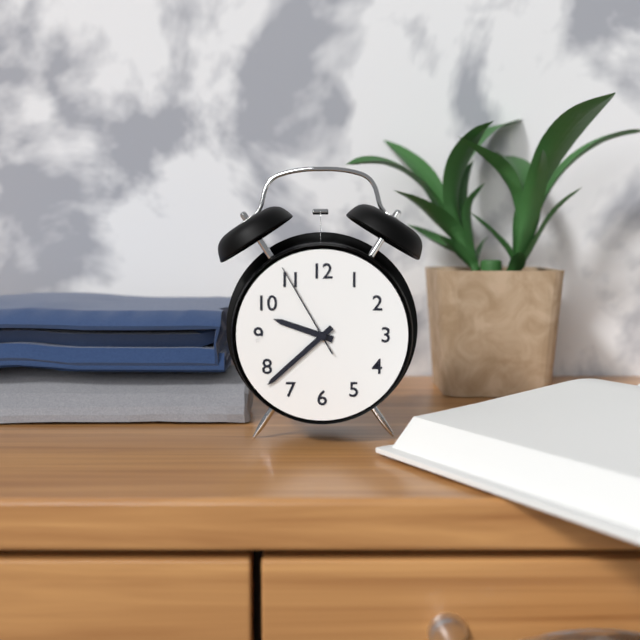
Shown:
9h38m55s
